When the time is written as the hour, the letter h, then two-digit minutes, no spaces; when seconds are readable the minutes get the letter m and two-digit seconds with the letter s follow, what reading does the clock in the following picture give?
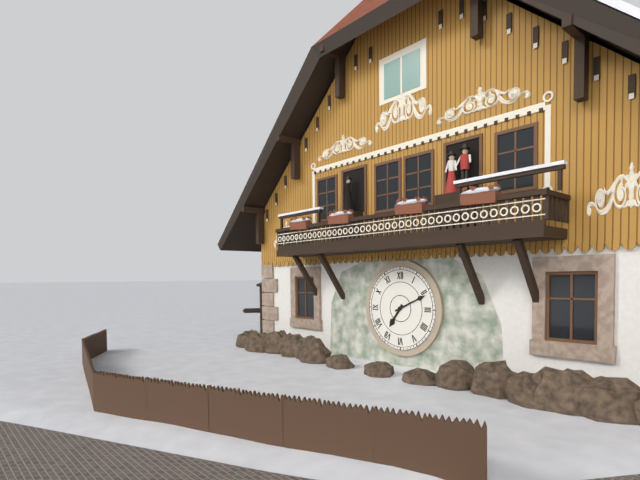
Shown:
7h11
